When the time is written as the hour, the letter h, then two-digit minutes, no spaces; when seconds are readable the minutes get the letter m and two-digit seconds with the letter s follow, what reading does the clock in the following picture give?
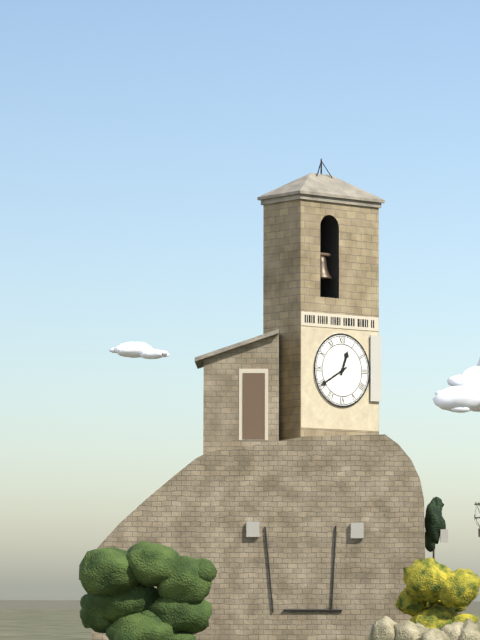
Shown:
12h40
